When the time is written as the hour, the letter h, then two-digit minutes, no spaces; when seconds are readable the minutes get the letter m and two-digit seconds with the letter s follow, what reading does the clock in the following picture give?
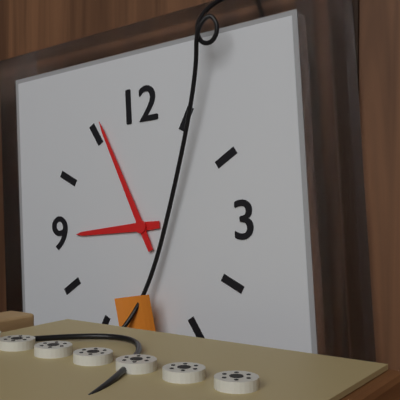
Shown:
8h56
